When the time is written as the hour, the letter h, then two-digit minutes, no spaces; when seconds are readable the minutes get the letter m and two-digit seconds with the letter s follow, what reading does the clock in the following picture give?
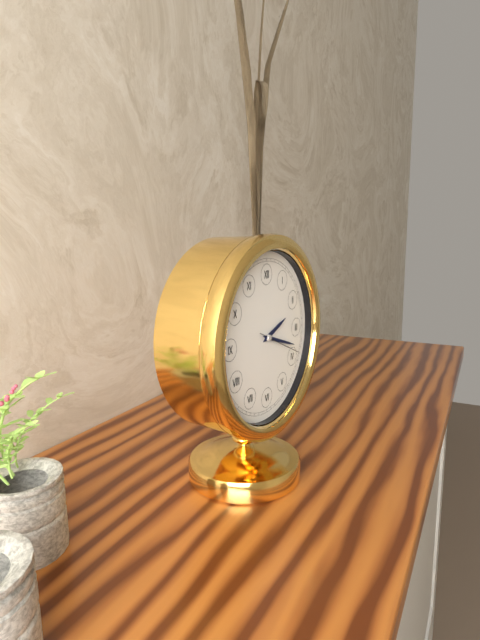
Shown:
2h18
